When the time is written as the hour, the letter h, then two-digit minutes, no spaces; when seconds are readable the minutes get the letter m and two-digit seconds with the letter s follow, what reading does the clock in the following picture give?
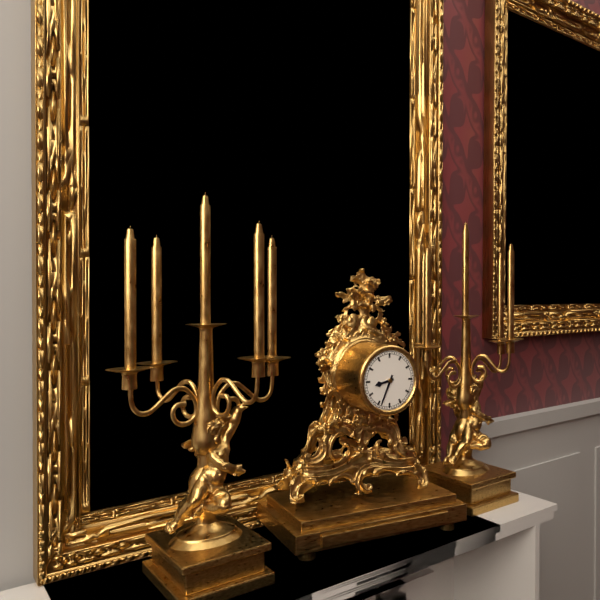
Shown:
8h34
